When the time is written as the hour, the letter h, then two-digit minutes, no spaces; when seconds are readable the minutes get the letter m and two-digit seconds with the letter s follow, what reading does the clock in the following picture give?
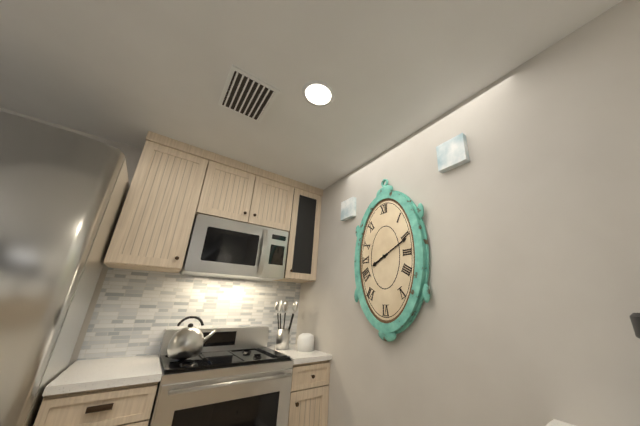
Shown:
8h11
